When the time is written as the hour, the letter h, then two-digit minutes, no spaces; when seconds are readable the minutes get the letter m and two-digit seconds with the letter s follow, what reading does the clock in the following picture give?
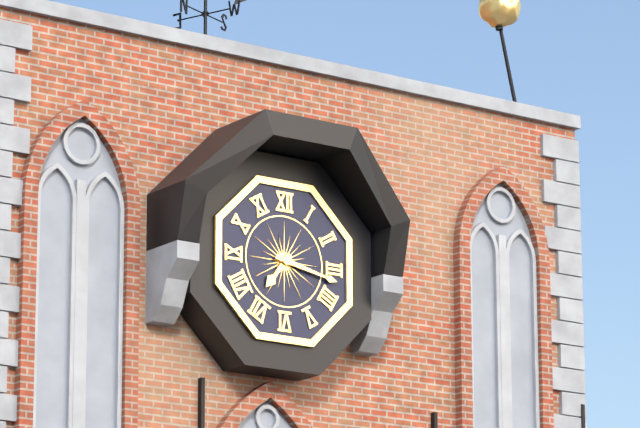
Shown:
7h17
